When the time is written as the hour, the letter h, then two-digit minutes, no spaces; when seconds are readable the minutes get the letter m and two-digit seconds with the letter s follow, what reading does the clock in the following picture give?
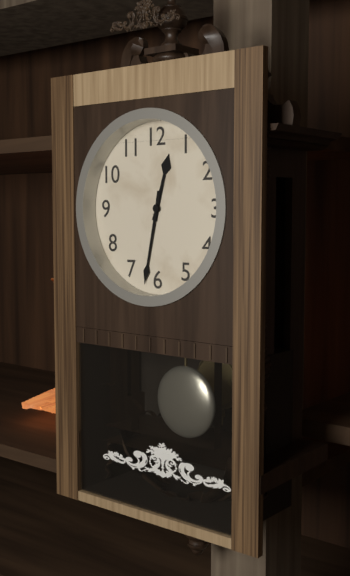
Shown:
12h32
